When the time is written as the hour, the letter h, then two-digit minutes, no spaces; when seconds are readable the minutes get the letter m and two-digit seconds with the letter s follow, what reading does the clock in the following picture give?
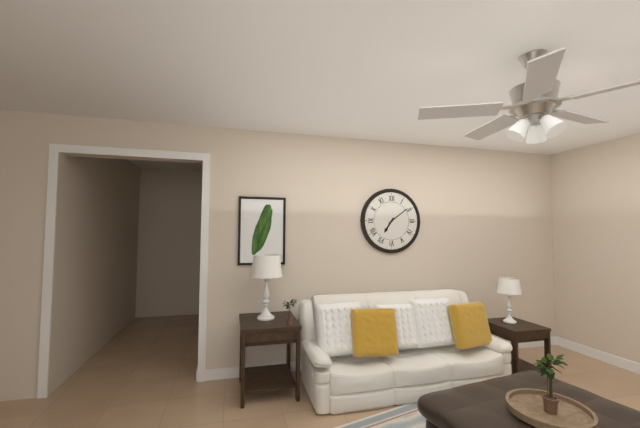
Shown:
7h09
